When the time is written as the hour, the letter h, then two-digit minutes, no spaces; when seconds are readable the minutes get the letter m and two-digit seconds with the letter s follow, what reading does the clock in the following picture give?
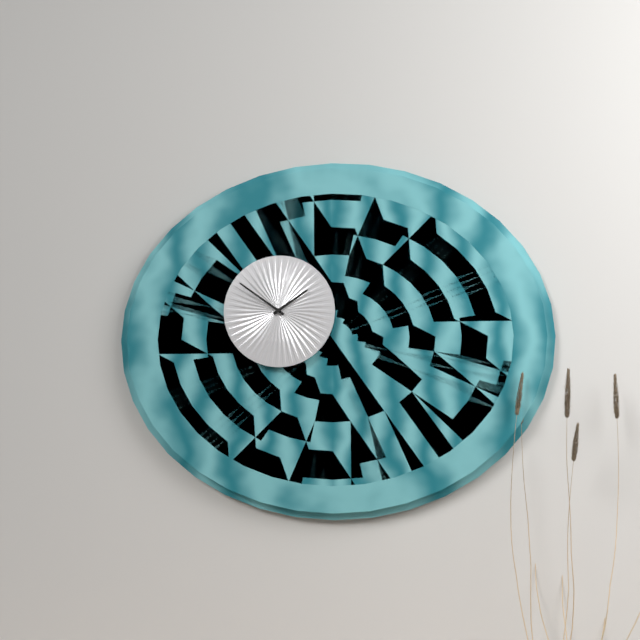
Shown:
1h51
